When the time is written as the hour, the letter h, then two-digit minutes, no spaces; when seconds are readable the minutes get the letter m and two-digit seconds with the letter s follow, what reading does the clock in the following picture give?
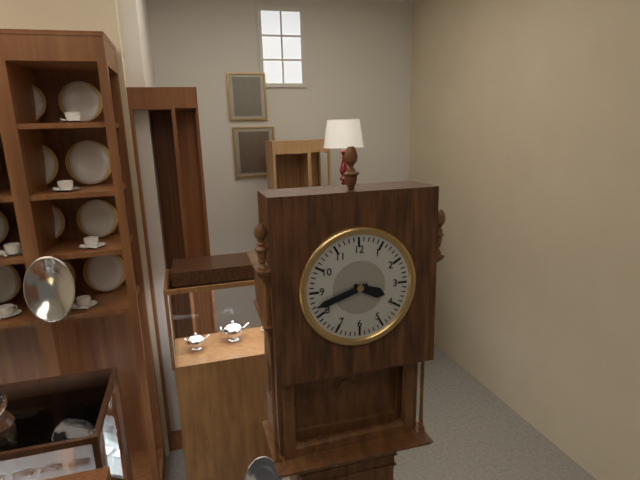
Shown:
3h42
